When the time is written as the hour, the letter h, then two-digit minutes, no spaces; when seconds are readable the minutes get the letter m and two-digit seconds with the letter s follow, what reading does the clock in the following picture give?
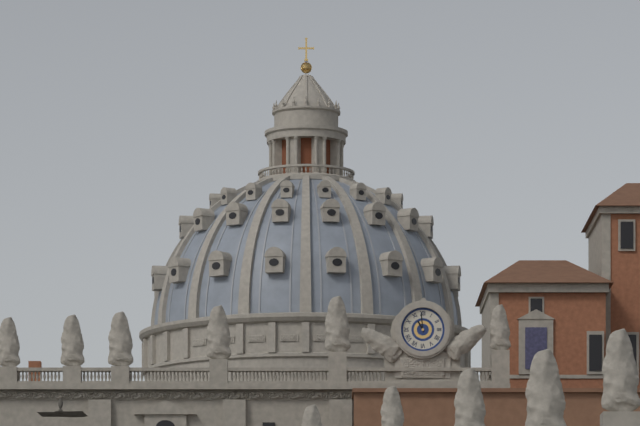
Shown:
10h59
